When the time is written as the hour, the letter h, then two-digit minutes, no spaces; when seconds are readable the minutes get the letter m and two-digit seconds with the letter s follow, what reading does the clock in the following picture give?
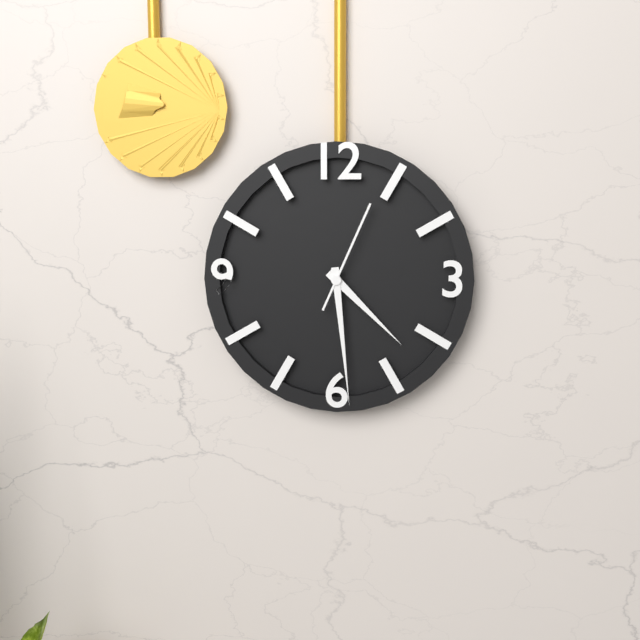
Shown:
4h29m04s
